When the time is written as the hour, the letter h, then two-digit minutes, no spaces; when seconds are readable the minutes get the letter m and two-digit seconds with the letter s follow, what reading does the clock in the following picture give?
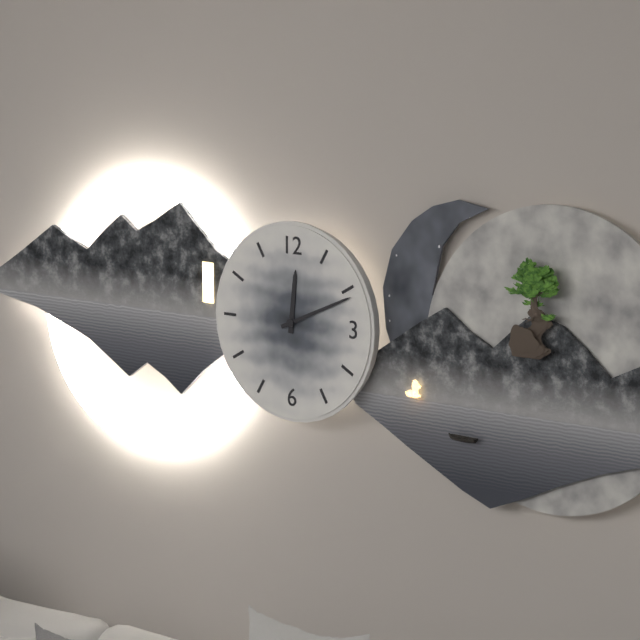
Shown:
12h11
